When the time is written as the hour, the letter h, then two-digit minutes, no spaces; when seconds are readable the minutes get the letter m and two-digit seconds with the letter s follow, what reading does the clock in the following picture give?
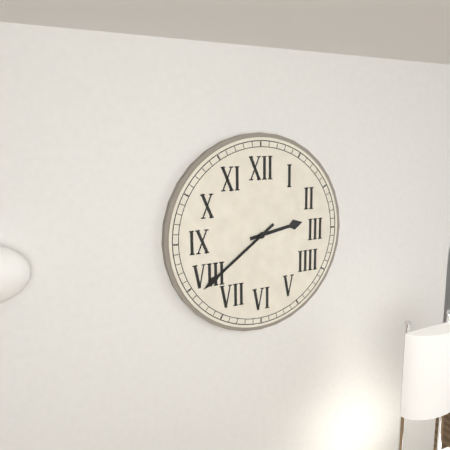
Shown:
2h39
